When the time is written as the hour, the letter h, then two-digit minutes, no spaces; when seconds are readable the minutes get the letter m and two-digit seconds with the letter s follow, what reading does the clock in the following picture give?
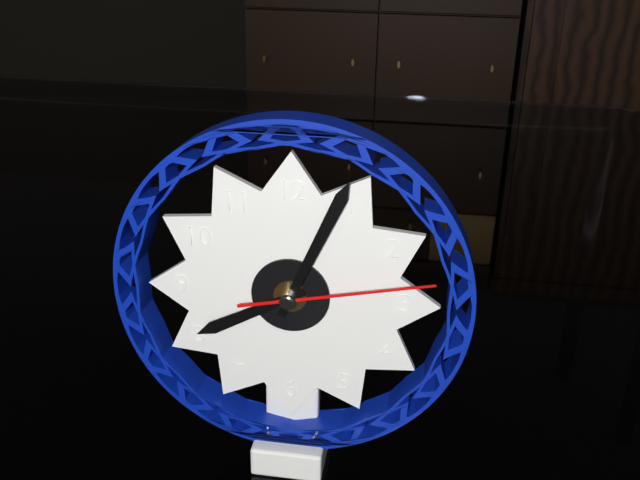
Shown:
8h04m13s
